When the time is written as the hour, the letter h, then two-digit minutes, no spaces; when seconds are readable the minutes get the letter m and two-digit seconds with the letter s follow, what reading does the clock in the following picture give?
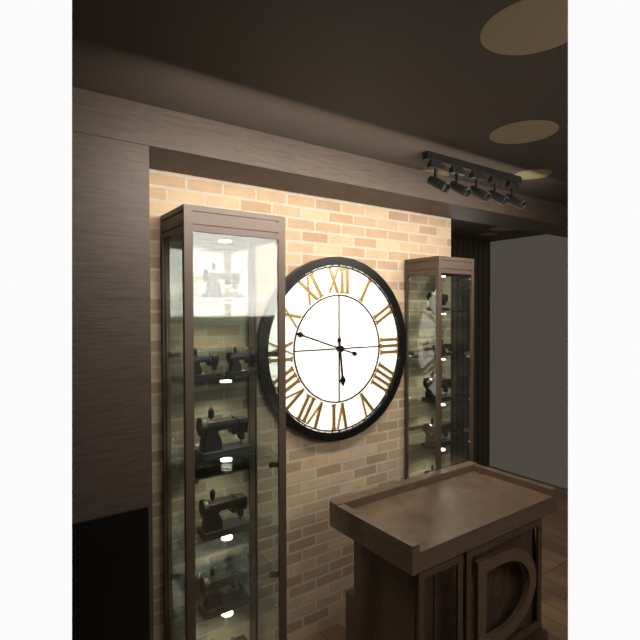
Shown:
5h48
